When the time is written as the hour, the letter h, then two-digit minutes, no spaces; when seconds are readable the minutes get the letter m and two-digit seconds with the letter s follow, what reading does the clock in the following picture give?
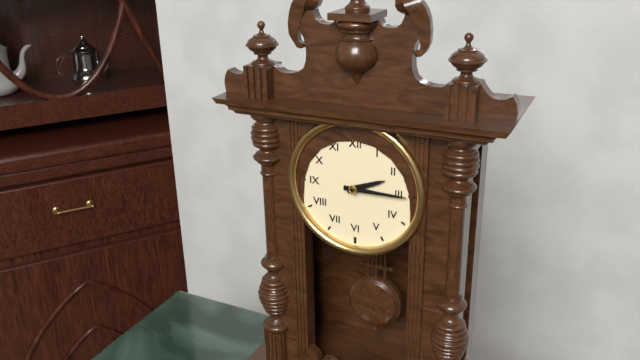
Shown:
2h15
